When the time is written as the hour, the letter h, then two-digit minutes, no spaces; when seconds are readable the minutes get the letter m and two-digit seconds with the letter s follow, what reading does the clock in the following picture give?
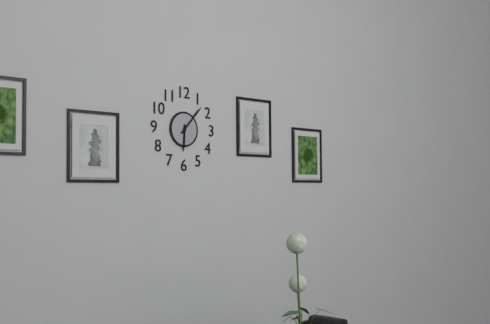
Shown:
6h07
